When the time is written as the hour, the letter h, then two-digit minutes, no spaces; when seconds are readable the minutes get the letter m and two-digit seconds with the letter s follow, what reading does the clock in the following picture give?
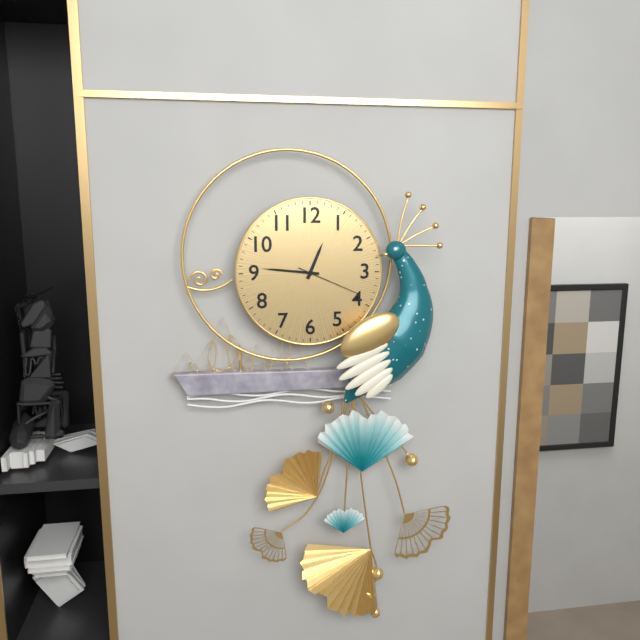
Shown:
12h46m19s
